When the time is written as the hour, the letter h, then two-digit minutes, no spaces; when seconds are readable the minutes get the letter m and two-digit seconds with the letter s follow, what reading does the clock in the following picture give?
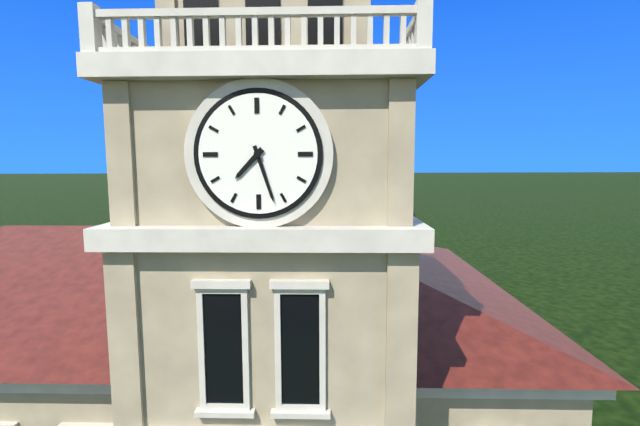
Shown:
7h27
